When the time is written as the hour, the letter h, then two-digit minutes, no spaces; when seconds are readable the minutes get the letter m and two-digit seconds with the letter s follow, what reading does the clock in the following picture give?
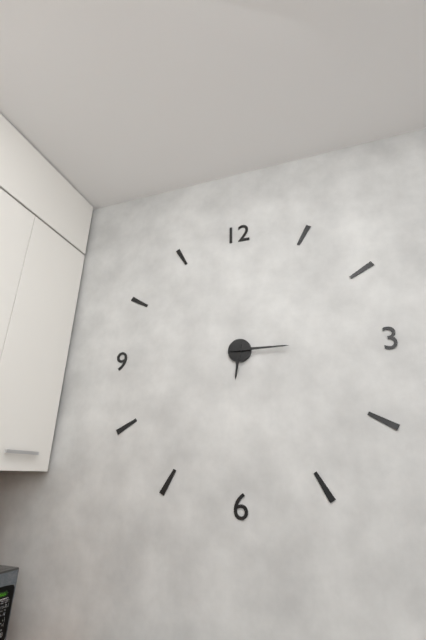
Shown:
6h15
